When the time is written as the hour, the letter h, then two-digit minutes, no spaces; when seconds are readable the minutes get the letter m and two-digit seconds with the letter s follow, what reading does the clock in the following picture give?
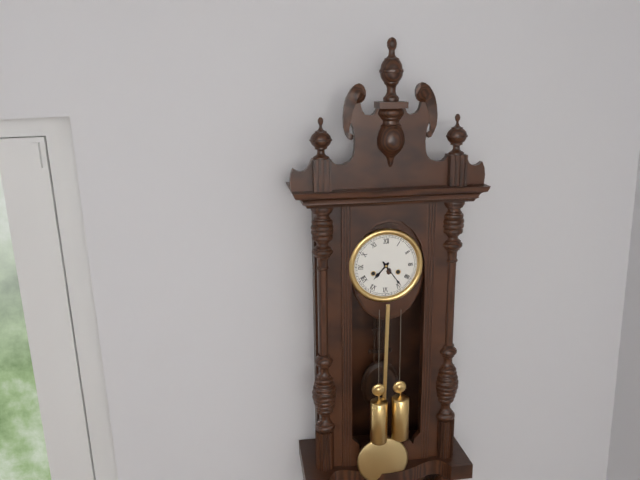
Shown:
7h24
